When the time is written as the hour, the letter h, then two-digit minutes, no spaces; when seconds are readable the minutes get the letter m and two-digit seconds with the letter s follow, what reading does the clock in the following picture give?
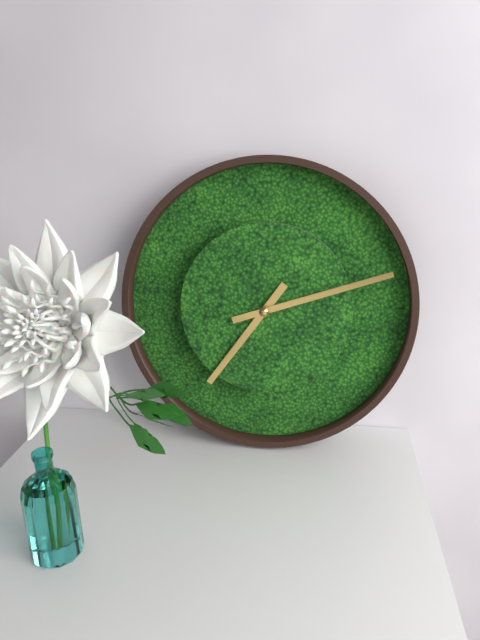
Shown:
7h12
